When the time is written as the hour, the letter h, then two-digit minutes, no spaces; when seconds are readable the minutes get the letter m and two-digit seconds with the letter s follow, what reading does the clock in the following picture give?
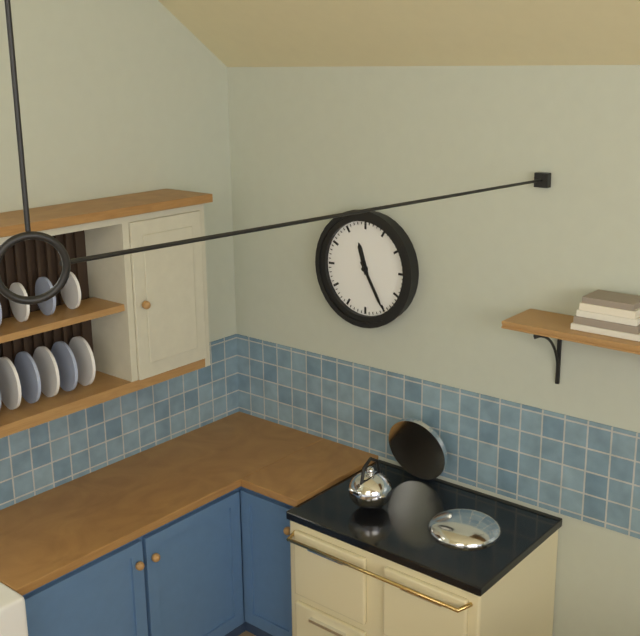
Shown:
11h25
